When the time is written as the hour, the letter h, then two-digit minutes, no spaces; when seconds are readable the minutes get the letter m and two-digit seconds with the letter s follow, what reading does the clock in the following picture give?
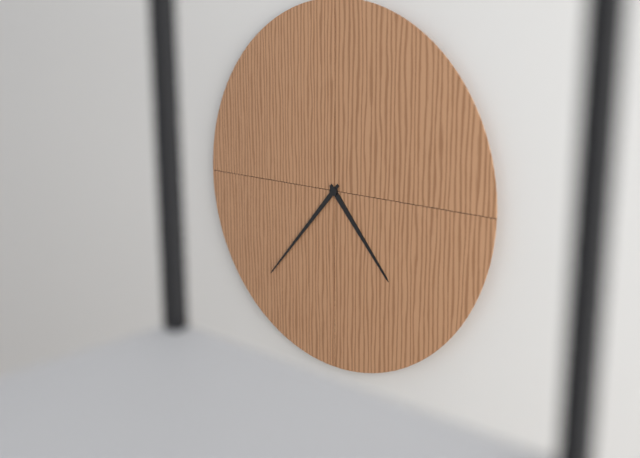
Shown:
4h37
